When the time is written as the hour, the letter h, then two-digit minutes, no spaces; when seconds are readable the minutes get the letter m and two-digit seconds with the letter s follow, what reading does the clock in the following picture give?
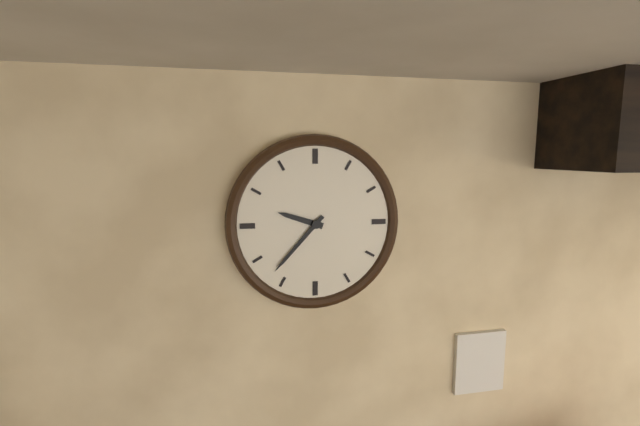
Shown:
9h37
